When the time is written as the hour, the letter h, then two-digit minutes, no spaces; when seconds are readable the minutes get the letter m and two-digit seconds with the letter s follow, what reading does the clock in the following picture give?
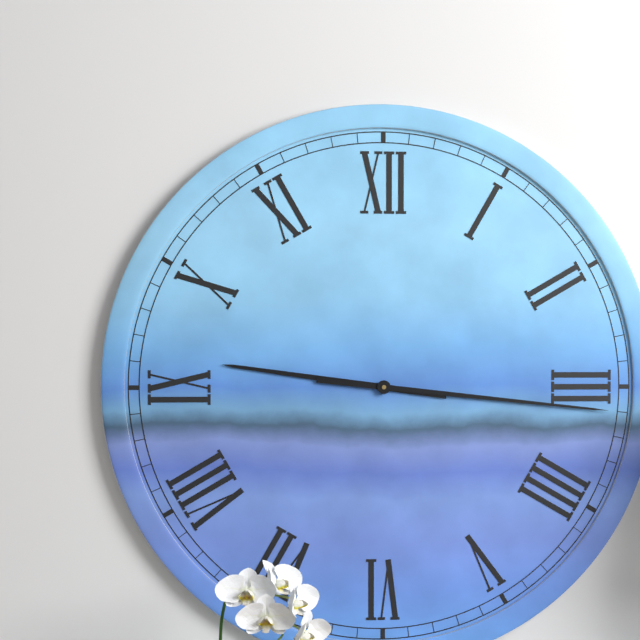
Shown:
9h16
